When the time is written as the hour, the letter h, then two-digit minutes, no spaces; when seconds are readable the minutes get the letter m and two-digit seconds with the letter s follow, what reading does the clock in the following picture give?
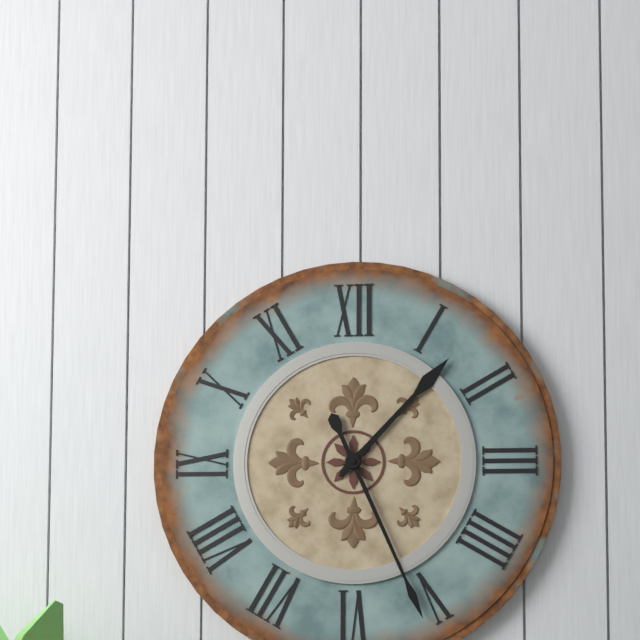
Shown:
1h26
